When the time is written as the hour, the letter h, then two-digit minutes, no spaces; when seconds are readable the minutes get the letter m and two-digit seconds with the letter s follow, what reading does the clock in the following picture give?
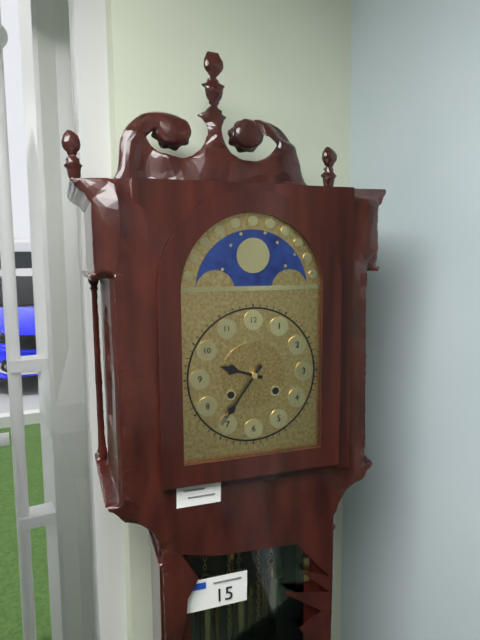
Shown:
9h36
